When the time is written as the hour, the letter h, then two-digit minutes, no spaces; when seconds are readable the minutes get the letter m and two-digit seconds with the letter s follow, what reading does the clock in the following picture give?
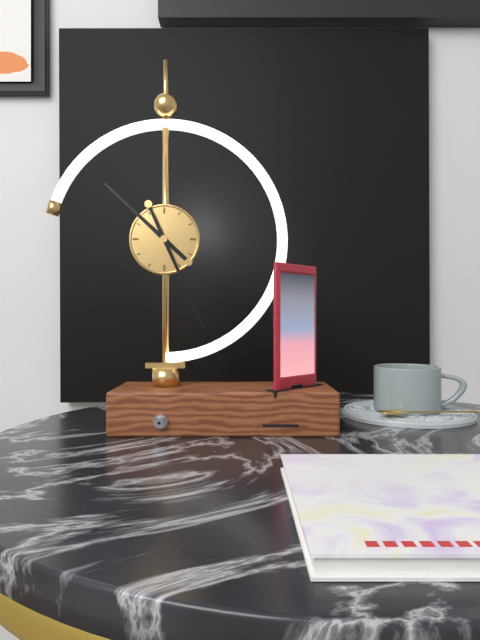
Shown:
10h26
